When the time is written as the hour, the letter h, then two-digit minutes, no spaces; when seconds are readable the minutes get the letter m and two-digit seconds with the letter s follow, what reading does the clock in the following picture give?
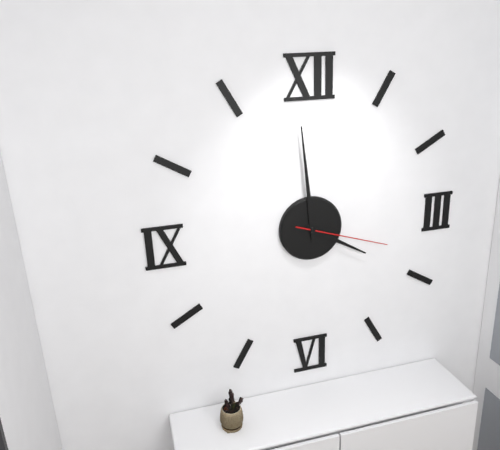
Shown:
3h59m18s
